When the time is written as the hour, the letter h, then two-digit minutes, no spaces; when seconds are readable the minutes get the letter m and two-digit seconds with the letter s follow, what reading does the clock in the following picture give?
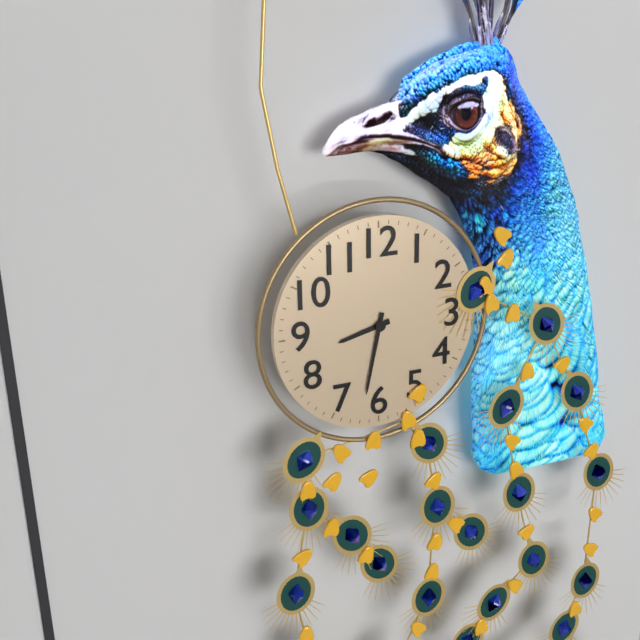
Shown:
8h32
